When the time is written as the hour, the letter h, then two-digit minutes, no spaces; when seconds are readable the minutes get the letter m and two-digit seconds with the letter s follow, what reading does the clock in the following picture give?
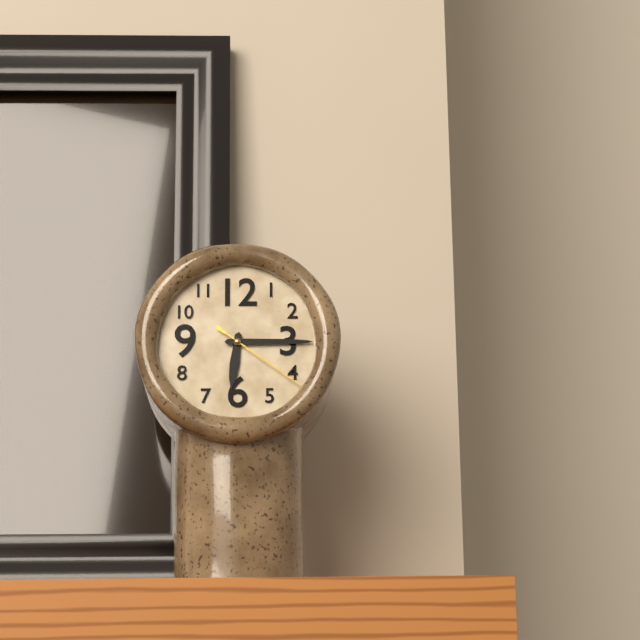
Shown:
6h15m21s
